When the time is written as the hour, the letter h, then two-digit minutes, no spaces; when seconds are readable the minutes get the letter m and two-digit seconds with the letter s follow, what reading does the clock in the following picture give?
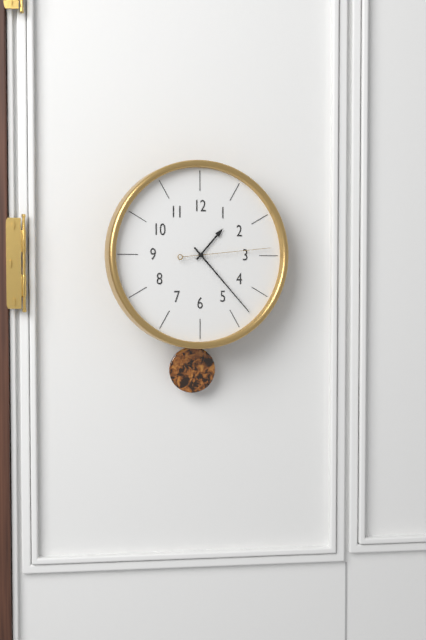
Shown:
1h23m14s
